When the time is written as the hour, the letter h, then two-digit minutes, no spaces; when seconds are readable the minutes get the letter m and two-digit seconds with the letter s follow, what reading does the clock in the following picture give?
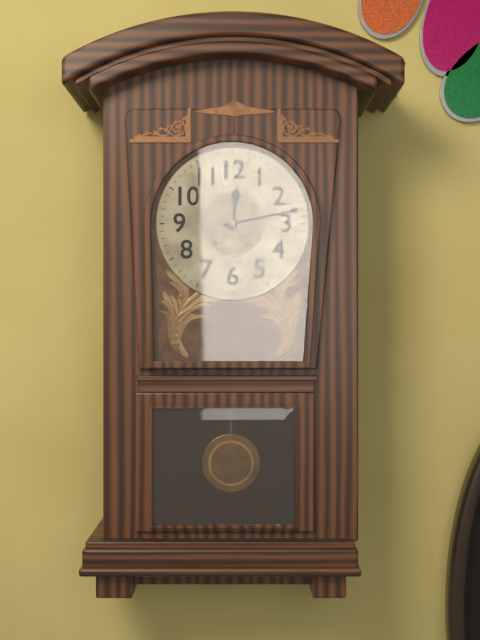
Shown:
12h13
